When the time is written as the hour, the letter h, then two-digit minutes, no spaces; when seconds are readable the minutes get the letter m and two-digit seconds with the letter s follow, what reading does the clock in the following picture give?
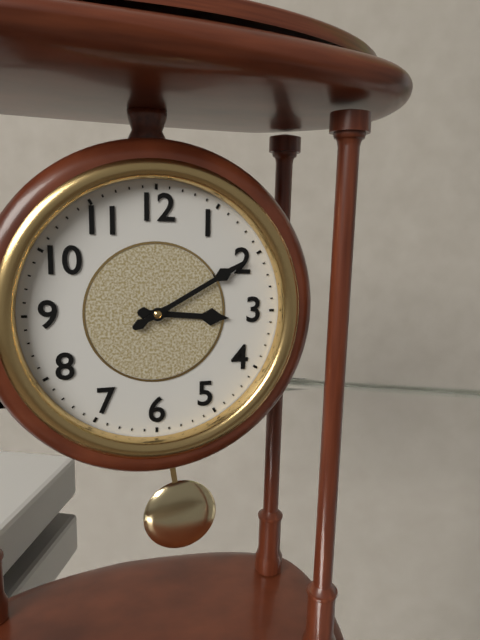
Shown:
3h10
